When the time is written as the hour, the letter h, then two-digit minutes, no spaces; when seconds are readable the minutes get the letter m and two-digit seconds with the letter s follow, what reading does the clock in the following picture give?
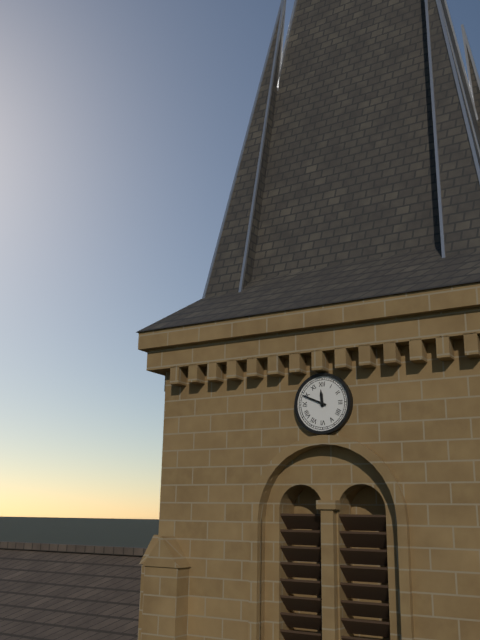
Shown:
11h49
